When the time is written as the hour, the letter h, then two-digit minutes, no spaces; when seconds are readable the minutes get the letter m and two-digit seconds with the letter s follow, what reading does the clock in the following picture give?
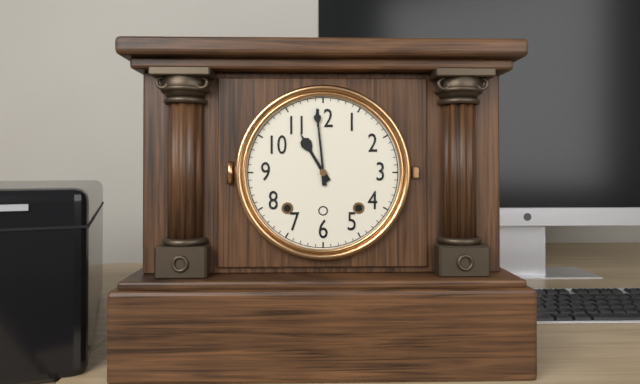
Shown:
10h59
